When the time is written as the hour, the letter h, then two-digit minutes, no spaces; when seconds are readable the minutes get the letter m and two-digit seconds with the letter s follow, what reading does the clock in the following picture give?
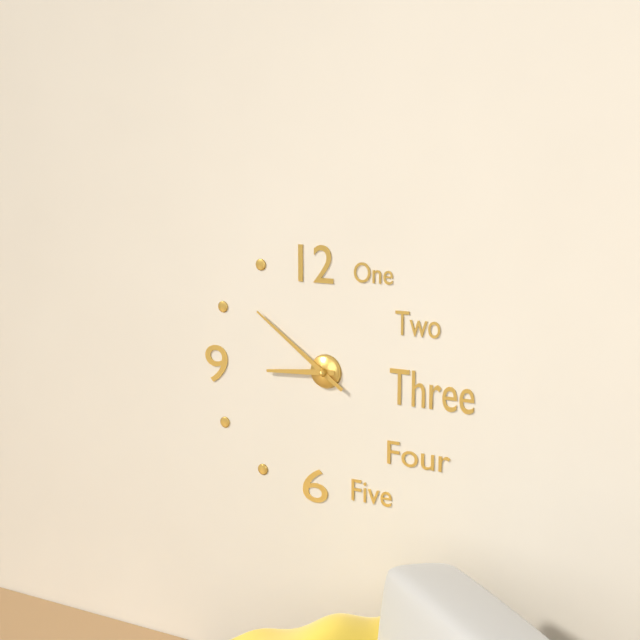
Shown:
8h51
